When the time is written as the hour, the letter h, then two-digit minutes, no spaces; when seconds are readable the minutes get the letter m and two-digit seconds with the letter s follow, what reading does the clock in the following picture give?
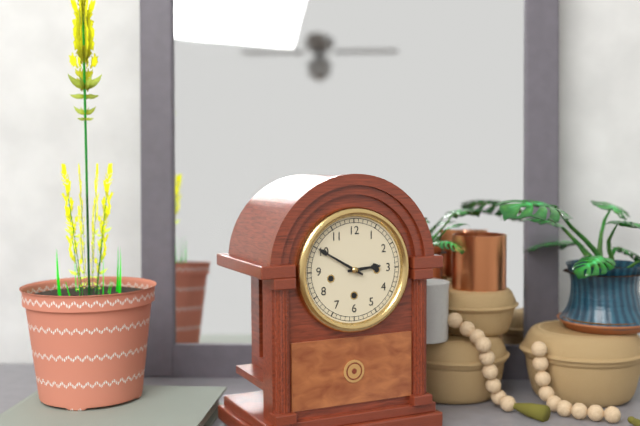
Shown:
2h50
